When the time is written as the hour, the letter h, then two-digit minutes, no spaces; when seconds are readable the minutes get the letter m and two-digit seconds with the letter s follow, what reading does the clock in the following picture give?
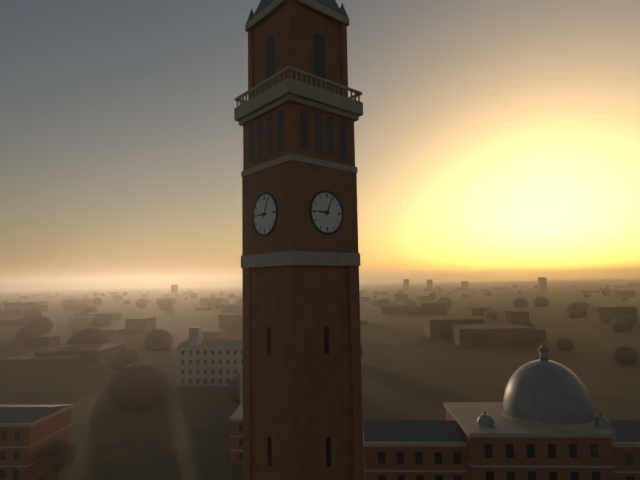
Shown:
9h04
